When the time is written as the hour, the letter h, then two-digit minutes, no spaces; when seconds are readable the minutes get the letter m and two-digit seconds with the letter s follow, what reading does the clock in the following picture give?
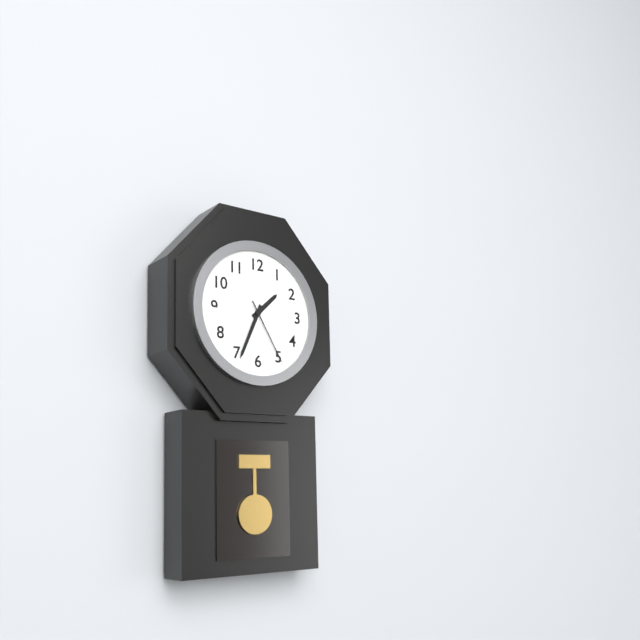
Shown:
1h34m25s
